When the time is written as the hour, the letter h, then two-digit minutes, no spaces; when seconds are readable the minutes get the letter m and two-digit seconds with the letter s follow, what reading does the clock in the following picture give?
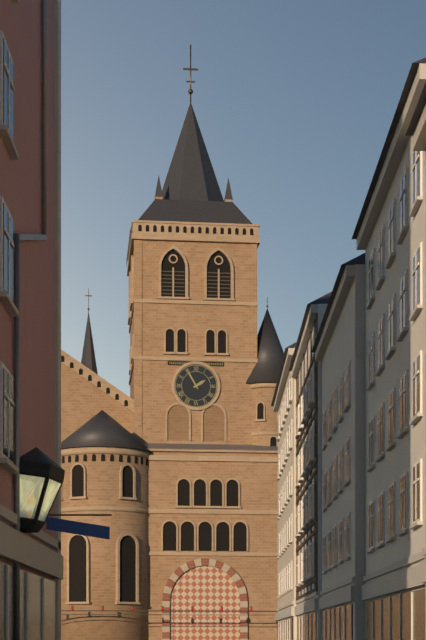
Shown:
1h55
